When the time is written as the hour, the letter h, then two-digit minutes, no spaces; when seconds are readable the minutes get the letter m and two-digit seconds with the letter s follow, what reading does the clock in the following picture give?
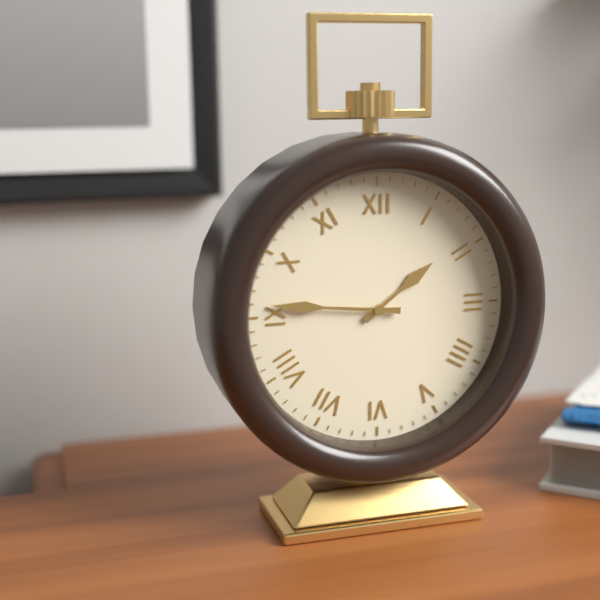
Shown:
1h46
